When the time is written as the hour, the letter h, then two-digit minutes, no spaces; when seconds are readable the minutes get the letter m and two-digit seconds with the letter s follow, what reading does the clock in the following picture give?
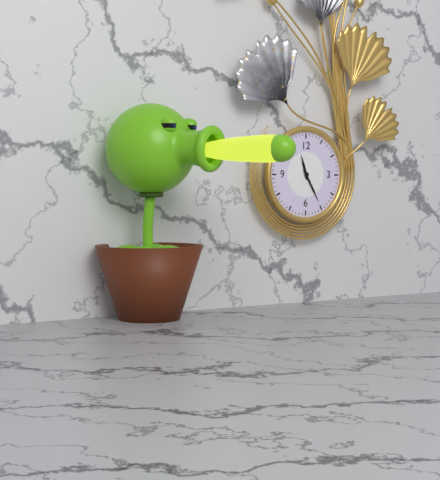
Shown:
11h25
